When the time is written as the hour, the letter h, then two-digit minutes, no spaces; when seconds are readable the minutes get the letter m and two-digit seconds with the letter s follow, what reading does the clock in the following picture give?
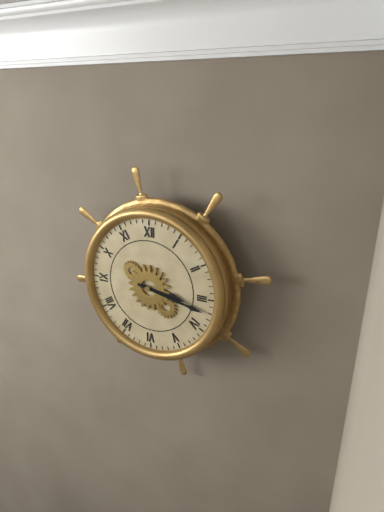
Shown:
3h17
